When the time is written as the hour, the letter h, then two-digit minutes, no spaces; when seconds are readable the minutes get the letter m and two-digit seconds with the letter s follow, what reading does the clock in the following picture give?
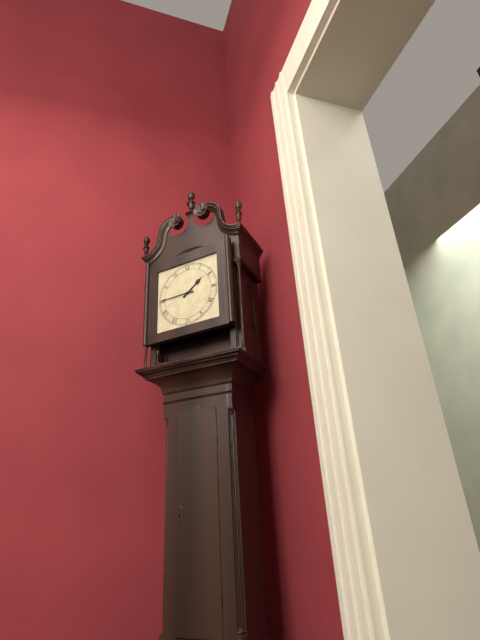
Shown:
1h45
